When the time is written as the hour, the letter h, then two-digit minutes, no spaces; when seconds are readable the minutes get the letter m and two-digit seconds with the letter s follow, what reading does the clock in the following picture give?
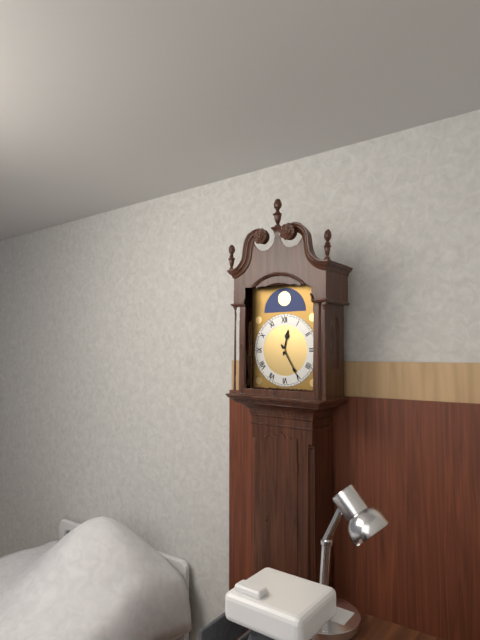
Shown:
12h25
